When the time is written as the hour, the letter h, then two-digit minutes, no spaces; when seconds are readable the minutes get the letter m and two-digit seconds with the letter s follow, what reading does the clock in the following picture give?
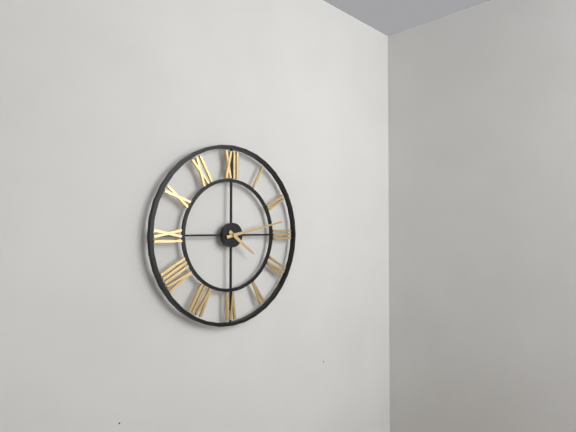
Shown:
4h13
